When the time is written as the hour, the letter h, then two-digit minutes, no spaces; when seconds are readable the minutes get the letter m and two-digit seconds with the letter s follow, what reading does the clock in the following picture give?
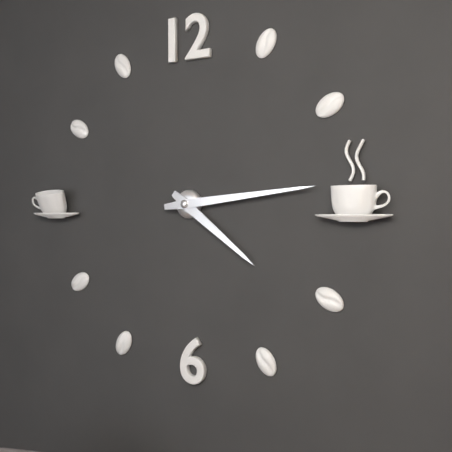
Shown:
4h14
